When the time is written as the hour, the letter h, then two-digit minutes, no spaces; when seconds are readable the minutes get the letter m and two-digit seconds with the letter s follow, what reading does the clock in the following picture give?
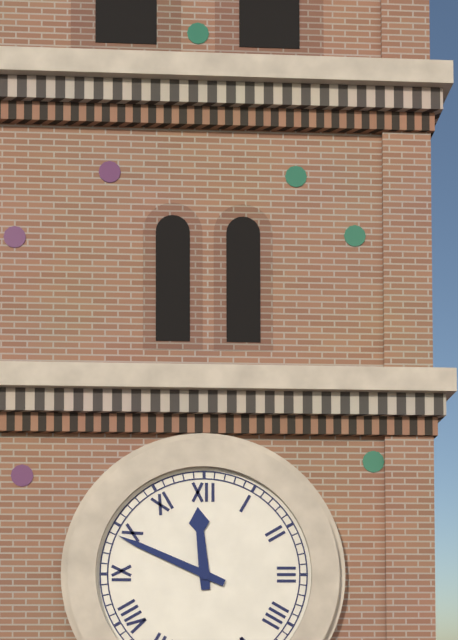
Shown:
11h49
